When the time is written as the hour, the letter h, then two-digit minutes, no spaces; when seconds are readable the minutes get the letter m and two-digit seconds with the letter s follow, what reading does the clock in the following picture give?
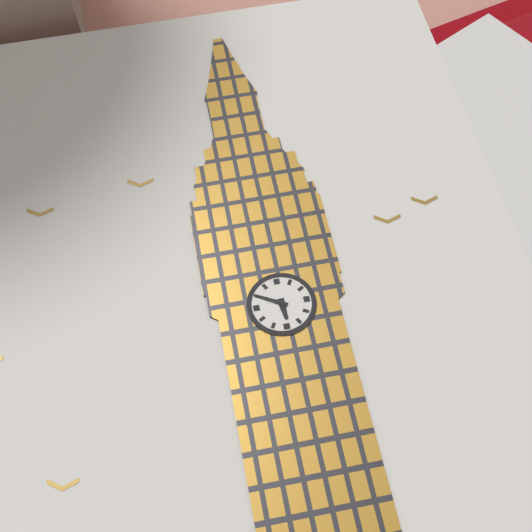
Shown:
5h50
